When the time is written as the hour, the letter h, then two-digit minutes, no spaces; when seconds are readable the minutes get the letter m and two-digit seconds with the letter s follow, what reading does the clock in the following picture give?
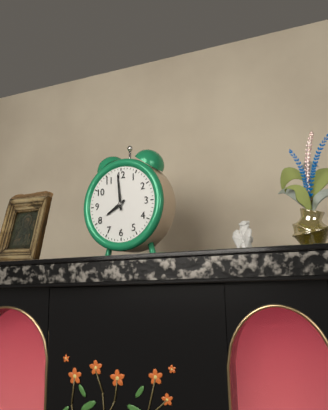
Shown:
7h59
